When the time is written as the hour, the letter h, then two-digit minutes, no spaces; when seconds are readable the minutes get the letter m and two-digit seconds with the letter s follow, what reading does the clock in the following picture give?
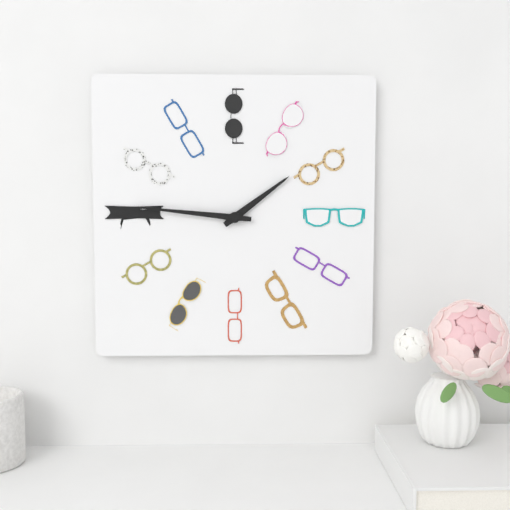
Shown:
1h46
